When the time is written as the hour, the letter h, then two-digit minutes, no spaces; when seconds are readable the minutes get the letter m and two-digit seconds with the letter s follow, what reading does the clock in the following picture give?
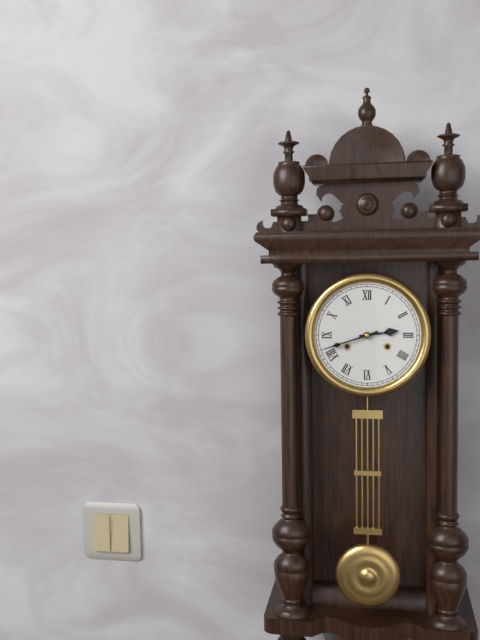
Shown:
2h42
